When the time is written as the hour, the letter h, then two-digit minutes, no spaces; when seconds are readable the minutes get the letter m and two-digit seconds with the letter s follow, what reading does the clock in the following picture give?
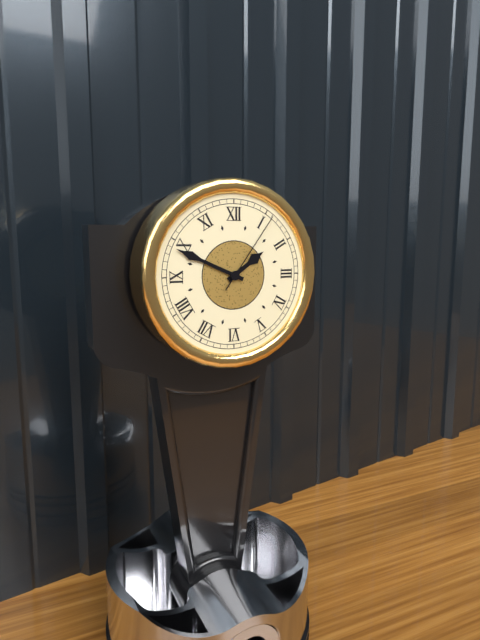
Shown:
1h49m06s
